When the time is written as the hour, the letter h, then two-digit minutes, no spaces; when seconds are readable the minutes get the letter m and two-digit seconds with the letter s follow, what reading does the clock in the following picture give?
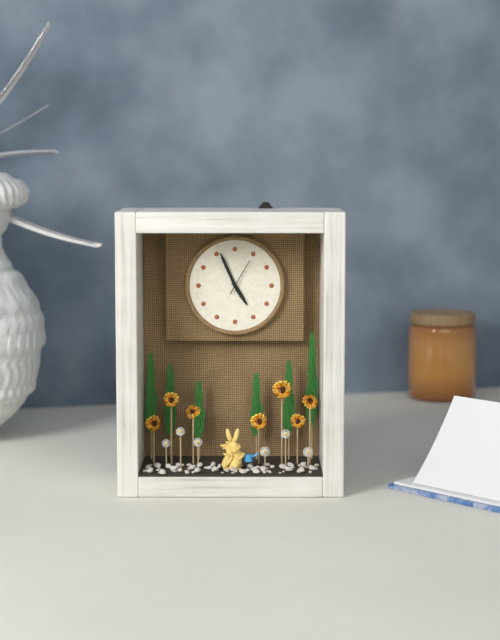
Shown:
4h56
